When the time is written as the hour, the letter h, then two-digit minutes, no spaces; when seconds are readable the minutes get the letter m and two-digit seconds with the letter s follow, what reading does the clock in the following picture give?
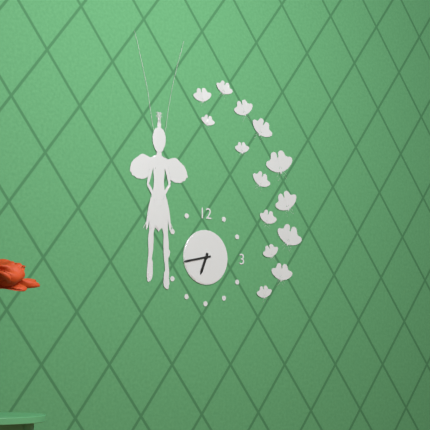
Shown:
6h43
